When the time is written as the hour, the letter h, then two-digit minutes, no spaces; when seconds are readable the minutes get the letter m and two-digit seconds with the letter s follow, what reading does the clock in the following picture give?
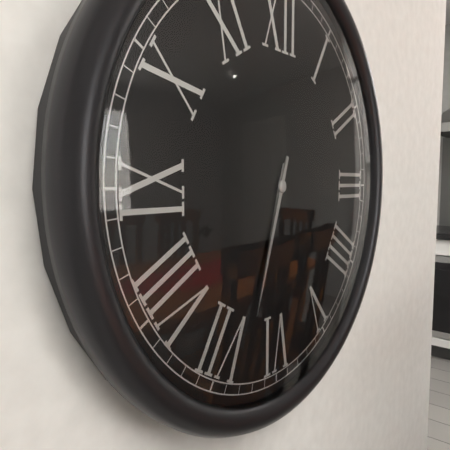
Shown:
6h33
